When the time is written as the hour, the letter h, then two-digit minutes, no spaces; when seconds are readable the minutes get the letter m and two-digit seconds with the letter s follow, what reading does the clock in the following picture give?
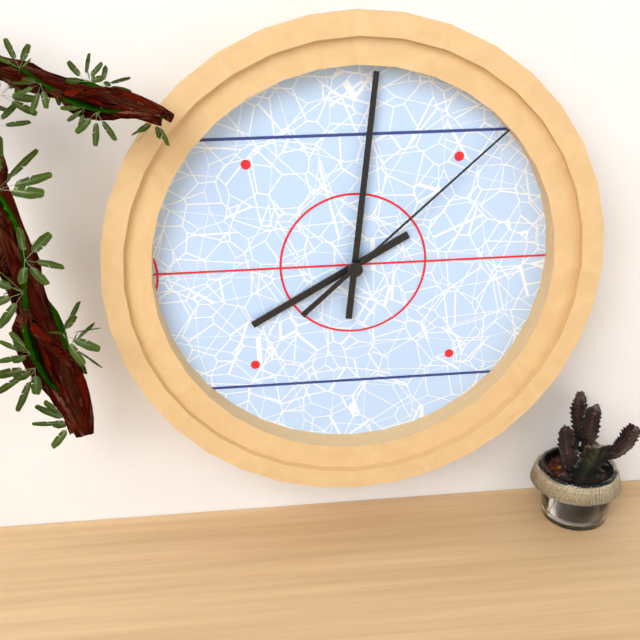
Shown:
8h01m08s
